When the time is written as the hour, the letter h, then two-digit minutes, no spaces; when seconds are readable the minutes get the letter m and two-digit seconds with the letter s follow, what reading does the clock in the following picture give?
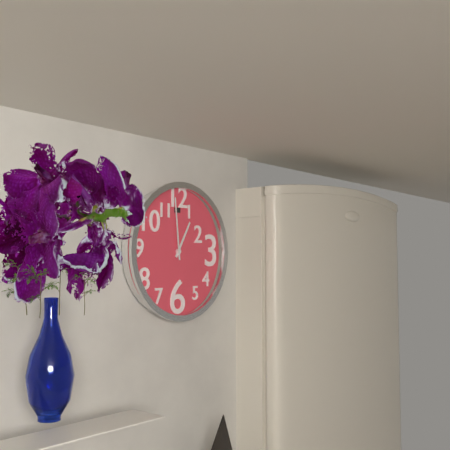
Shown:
12h59
